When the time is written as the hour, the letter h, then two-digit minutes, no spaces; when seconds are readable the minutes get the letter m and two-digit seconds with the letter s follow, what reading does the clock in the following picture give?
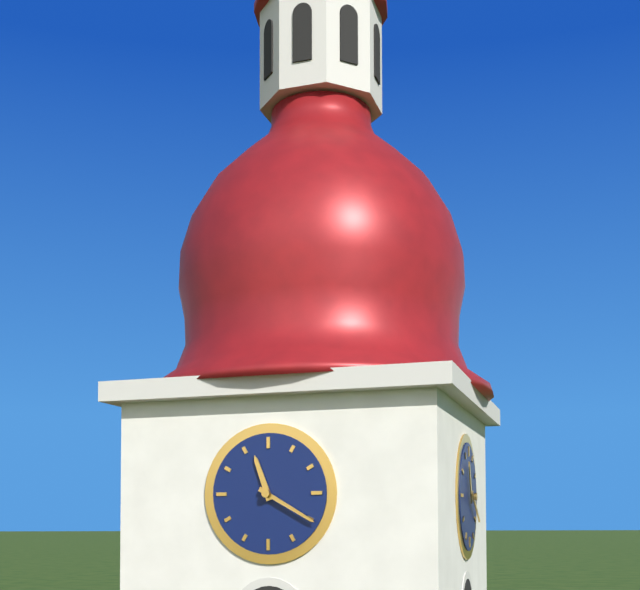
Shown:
11h20
